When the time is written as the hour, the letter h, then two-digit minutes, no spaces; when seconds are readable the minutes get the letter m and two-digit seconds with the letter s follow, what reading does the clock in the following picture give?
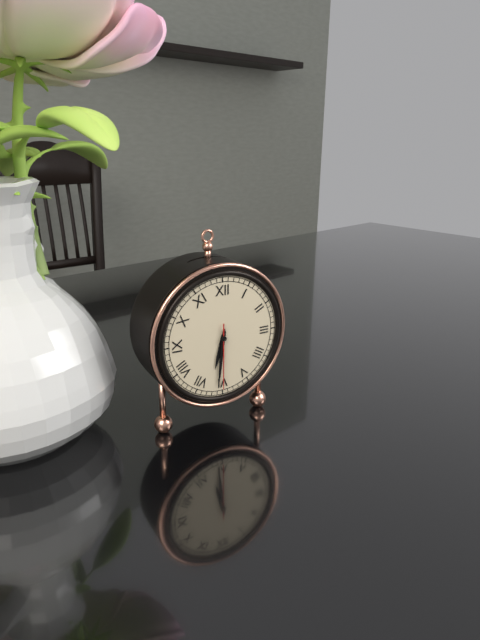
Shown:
6h31m30s
